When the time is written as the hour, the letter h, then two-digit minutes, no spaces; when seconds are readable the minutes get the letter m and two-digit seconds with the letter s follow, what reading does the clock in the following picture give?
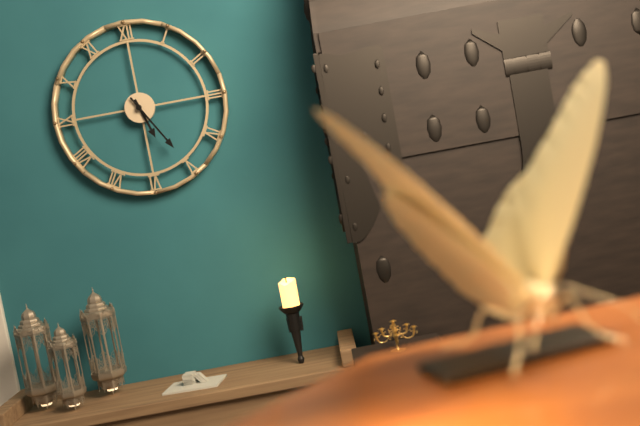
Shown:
5h25
